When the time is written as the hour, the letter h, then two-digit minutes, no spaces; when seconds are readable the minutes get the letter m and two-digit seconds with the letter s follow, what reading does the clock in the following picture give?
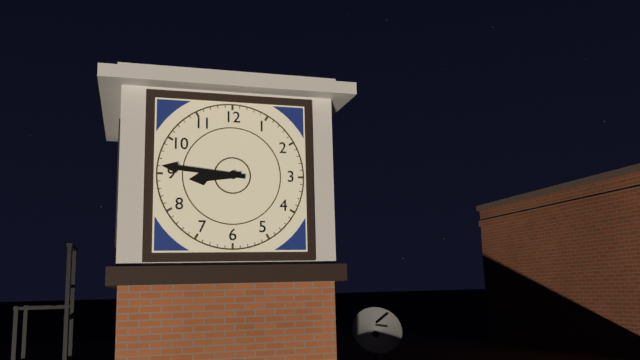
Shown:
8h46
